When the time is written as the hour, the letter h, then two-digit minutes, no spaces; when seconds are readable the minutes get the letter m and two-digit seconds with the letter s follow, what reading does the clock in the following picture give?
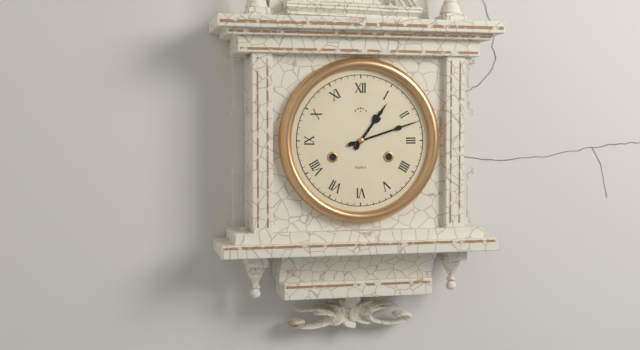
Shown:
1h12
